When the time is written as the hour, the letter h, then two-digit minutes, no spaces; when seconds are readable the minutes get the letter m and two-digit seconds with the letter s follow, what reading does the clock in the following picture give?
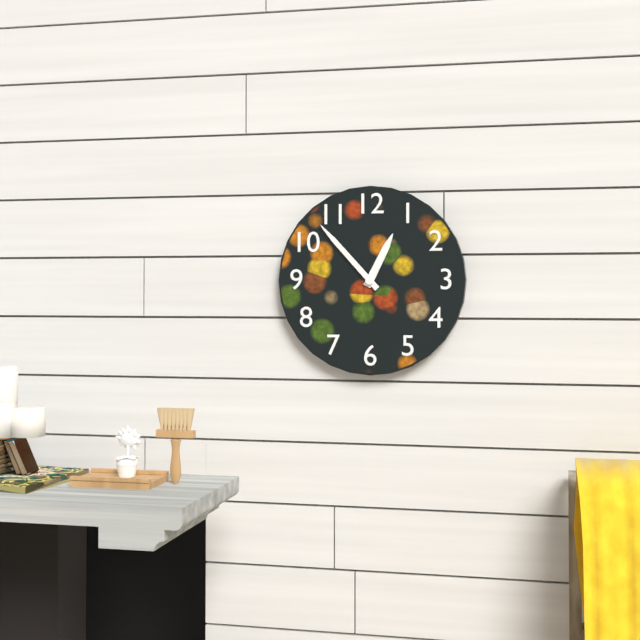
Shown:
12h53
